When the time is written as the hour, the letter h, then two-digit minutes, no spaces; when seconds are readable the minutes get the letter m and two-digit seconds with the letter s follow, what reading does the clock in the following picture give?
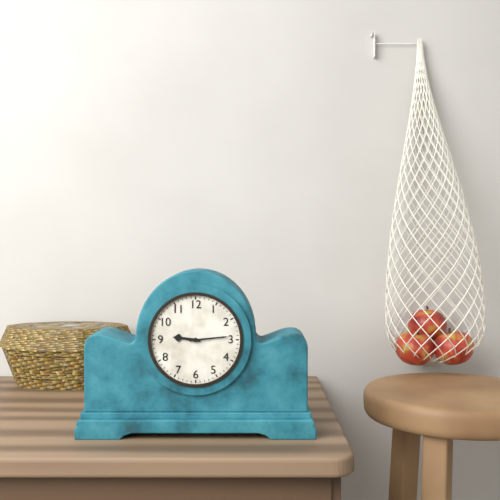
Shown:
9h14
